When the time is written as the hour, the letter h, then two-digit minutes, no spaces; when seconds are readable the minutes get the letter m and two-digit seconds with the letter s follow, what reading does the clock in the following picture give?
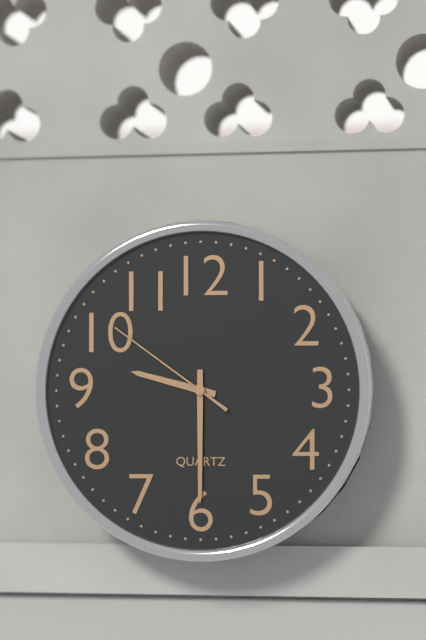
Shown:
9h30m51s
